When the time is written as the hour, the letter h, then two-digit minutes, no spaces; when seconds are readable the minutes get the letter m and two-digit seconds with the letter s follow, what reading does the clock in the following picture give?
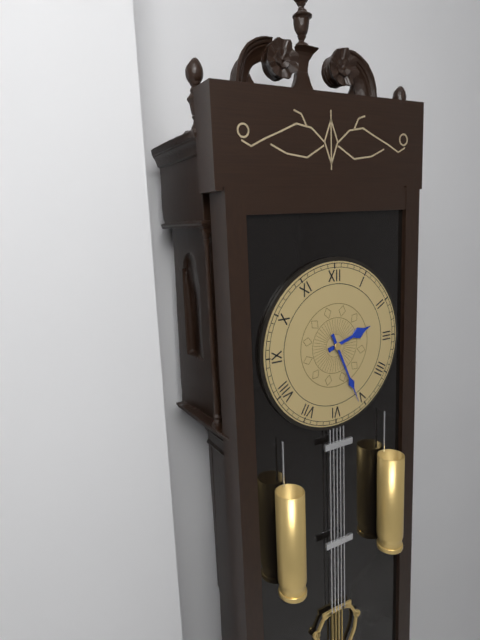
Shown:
2h26
